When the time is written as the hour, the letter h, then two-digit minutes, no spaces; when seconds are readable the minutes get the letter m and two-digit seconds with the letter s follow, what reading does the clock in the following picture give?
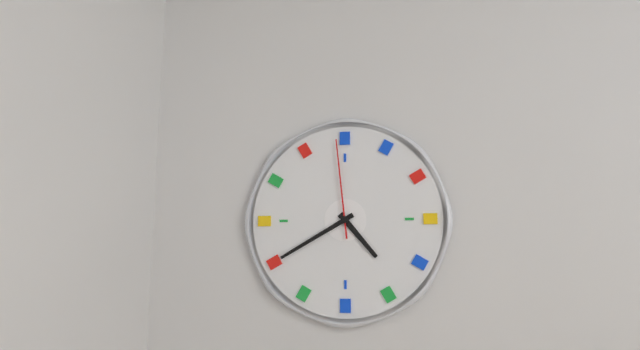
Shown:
4h40m59s
